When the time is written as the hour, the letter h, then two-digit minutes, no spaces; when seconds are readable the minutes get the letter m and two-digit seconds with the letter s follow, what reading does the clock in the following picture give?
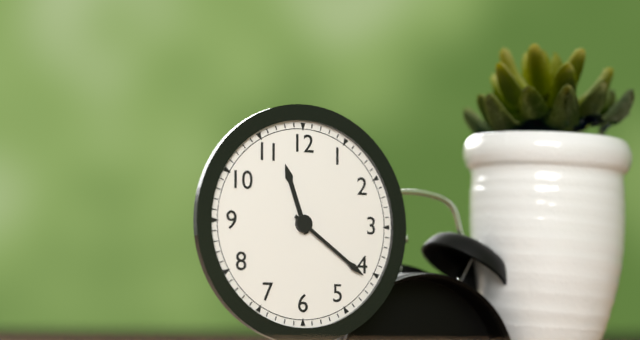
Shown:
11h21
